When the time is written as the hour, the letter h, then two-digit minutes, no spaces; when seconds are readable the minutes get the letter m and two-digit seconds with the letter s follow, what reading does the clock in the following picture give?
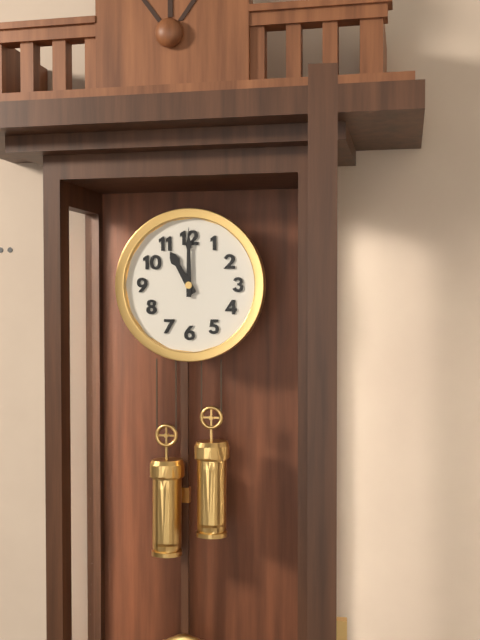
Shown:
11h00
